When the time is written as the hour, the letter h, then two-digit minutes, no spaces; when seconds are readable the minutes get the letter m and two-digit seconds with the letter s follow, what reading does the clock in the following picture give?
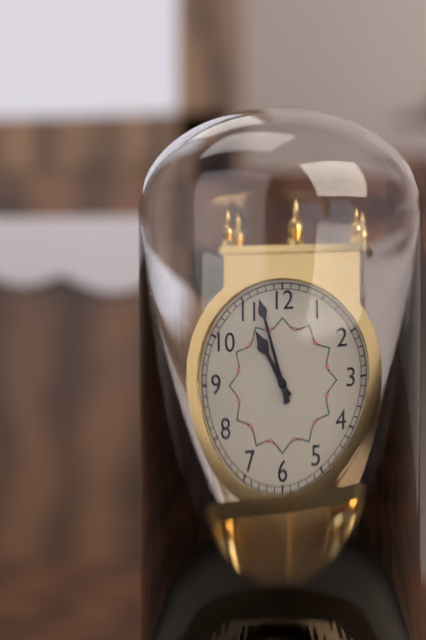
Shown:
10h57
